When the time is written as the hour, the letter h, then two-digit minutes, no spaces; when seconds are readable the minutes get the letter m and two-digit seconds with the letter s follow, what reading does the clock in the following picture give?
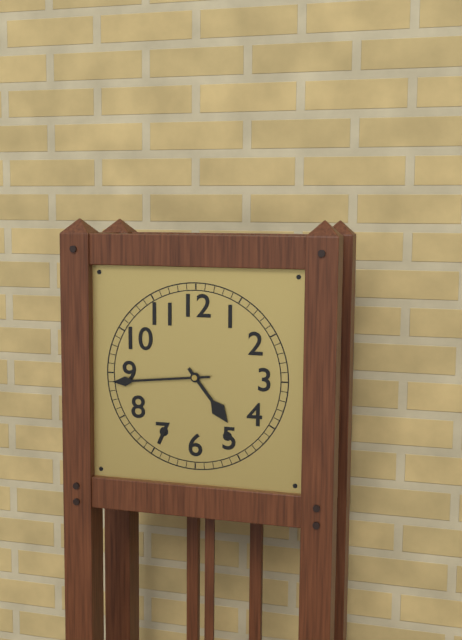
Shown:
4h44
